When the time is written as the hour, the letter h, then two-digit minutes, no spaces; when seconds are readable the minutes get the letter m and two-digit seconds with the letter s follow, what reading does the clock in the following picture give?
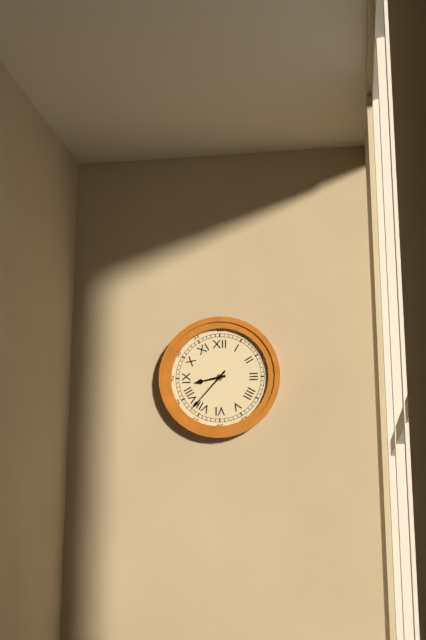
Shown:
8h37
